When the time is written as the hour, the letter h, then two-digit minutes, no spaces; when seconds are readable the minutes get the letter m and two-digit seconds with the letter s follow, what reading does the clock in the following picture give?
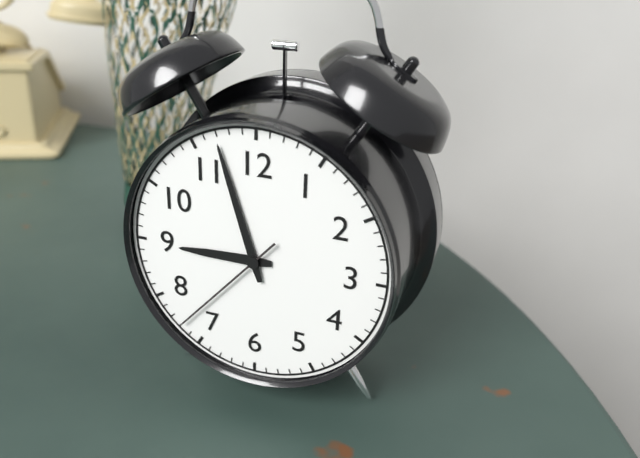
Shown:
8h57m37s
